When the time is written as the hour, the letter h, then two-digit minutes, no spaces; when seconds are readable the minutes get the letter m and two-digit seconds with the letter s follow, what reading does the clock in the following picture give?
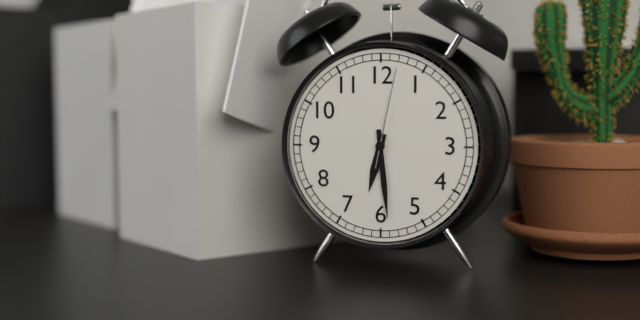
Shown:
6h29m02s
